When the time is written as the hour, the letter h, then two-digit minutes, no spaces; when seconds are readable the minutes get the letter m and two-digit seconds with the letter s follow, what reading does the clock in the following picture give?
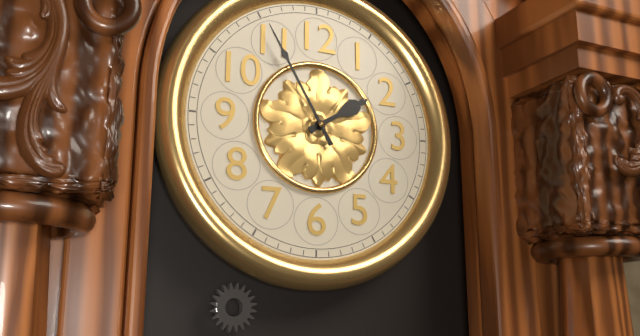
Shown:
1h55
